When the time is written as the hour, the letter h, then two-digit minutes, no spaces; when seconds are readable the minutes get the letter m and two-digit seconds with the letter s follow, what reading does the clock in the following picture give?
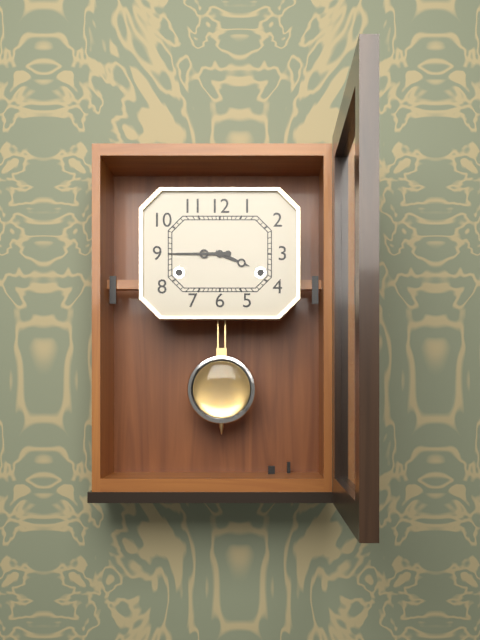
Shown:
3h45
